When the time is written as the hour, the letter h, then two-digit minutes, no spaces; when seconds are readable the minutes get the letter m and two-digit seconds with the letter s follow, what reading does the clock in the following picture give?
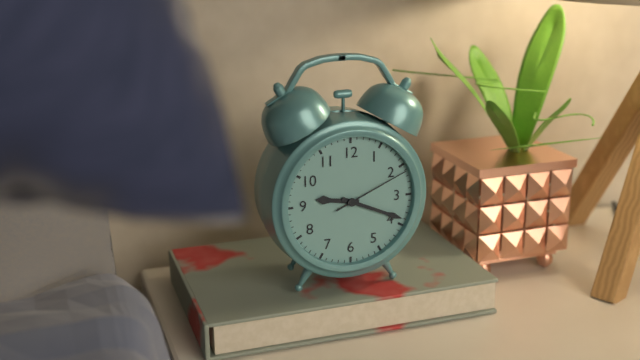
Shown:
9h19m11s
